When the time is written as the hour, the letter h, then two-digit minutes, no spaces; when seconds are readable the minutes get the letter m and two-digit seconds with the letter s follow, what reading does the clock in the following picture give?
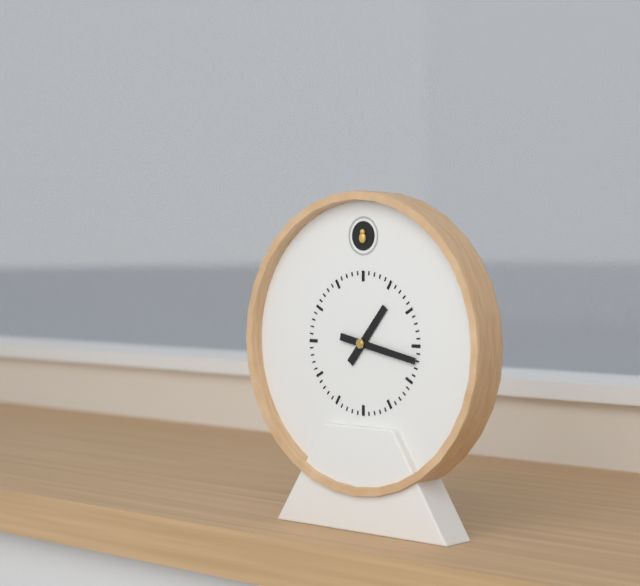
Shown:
1h17
